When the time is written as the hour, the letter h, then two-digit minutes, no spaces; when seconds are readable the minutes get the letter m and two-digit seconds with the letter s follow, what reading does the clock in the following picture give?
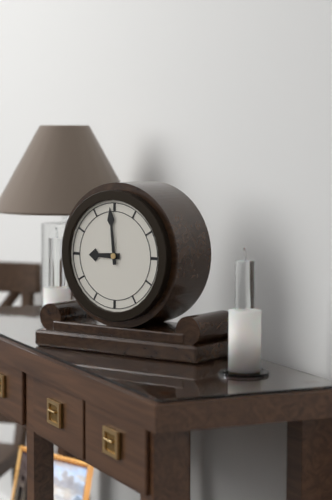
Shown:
8h59
